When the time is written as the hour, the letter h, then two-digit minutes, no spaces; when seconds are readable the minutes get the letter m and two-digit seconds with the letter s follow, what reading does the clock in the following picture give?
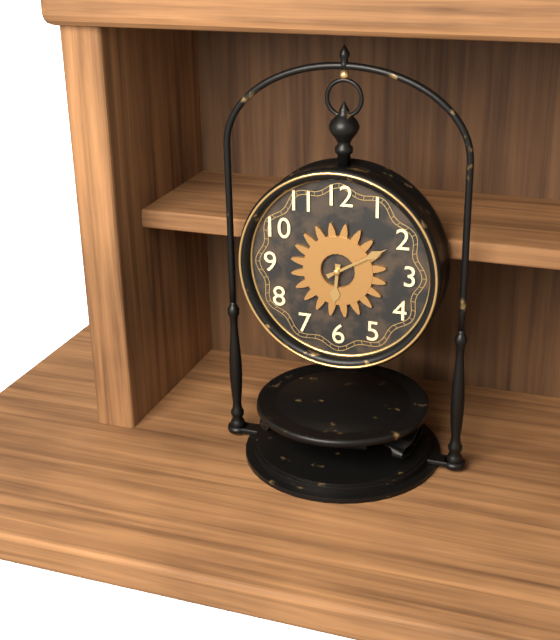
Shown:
6h10
